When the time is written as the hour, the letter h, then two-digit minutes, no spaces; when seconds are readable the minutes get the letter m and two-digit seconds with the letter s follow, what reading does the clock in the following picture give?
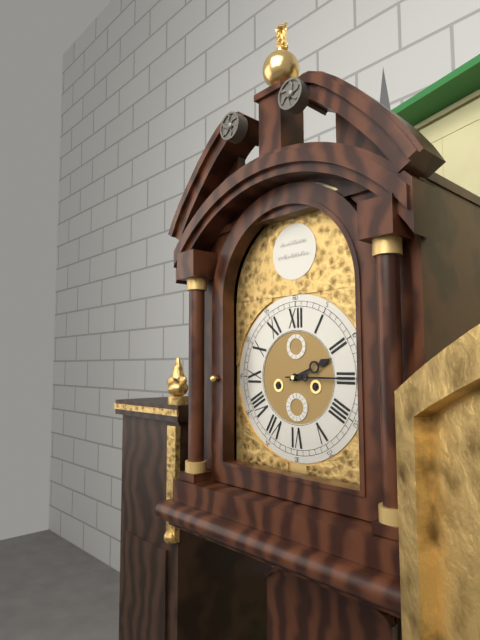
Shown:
2h15
